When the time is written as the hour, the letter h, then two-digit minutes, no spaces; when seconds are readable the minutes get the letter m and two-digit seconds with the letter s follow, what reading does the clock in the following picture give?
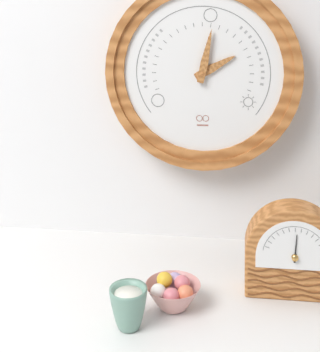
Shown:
2h02
